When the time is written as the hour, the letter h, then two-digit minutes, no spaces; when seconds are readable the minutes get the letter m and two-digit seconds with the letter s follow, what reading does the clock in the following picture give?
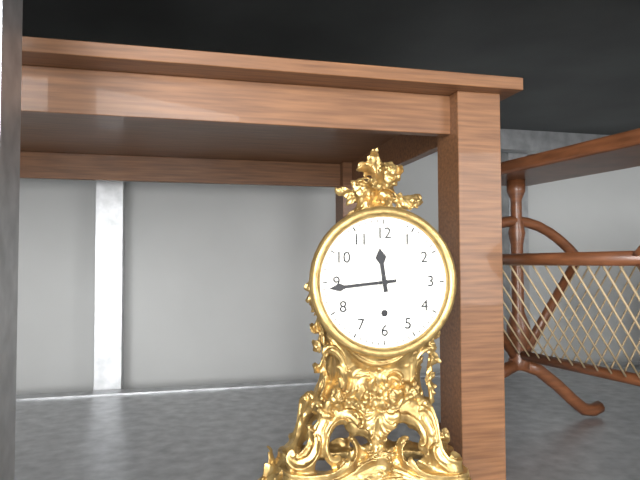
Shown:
11h44
